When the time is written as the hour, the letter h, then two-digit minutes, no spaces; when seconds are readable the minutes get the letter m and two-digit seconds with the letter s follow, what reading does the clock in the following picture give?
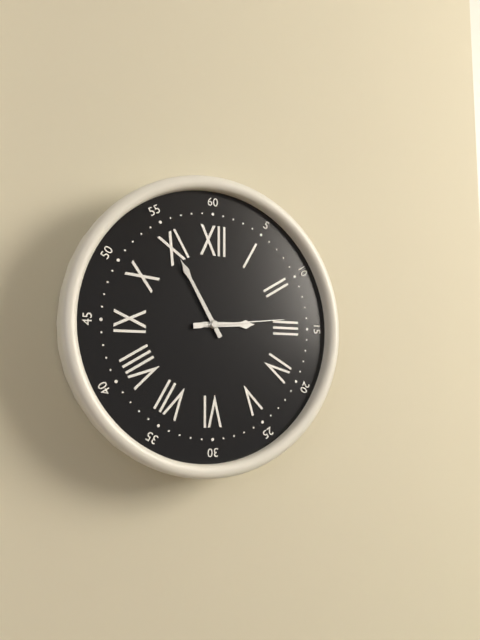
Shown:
2h55m14s
